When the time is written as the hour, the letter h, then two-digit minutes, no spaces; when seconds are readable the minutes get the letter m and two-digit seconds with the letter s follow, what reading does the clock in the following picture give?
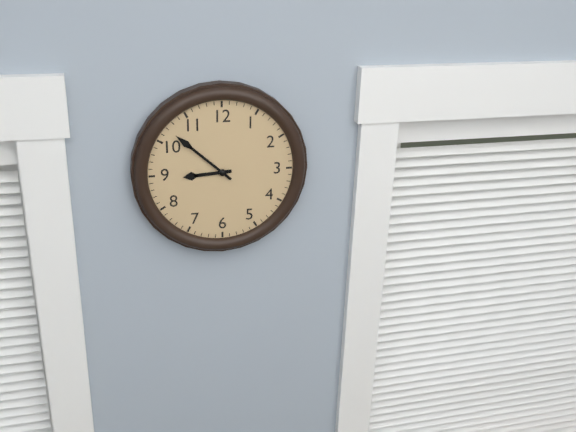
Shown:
8h52
